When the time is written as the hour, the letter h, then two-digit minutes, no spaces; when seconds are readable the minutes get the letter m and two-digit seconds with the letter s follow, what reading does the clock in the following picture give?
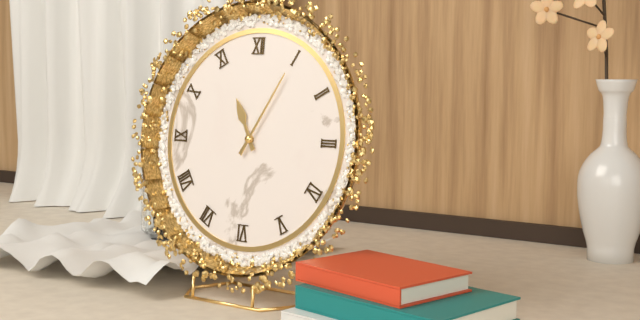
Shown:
11h05
